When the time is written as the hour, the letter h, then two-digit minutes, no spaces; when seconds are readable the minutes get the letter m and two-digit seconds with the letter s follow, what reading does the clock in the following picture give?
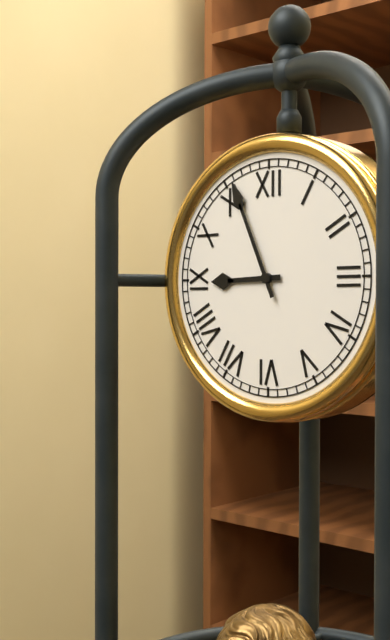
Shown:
8h56
